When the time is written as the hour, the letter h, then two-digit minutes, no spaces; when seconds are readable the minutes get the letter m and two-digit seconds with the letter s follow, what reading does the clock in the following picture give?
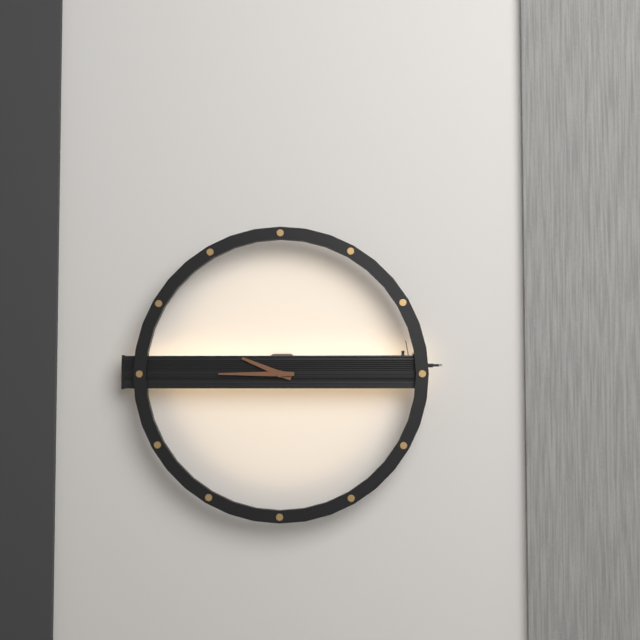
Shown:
9h45
